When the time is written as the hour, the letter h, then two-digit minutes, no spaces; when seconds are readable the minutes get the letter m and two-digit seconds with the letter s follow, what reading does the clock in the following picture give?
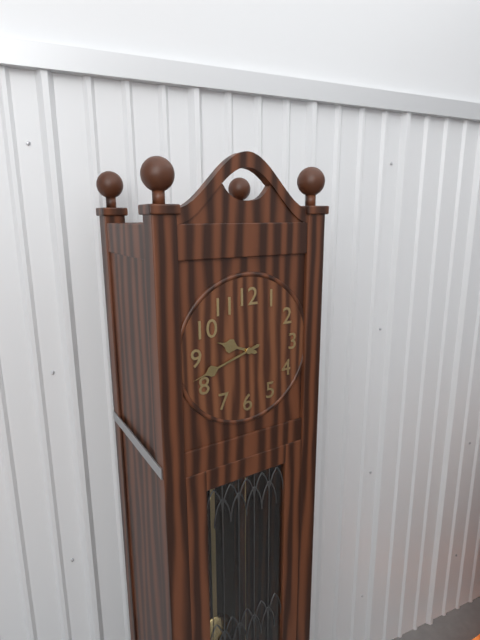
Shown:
9h42
